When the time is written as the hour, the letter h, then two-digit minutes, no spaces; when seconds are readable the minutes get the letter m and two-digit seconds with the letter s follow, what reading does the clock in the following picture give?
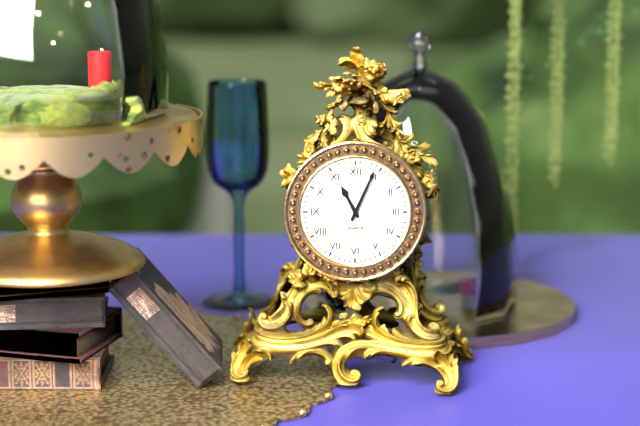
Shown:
11h04
